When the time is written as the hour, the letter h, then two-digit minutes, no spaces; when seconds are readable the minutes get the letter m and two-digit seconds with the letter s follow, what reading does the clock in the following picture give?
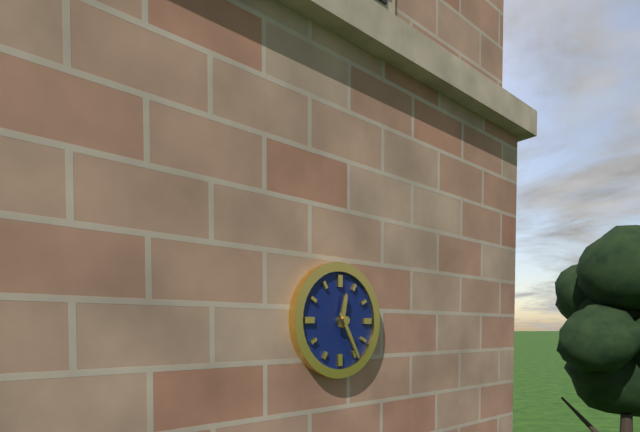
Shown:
12h25
